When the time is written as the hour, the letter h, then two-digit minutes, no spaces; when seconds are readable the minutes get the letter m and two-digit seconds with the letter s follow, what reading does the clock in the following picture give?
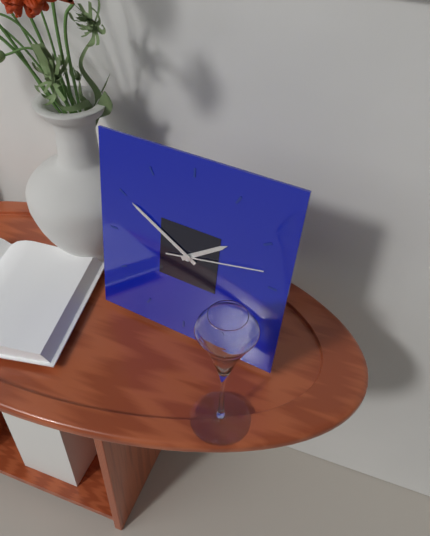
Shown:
1h50m13s
